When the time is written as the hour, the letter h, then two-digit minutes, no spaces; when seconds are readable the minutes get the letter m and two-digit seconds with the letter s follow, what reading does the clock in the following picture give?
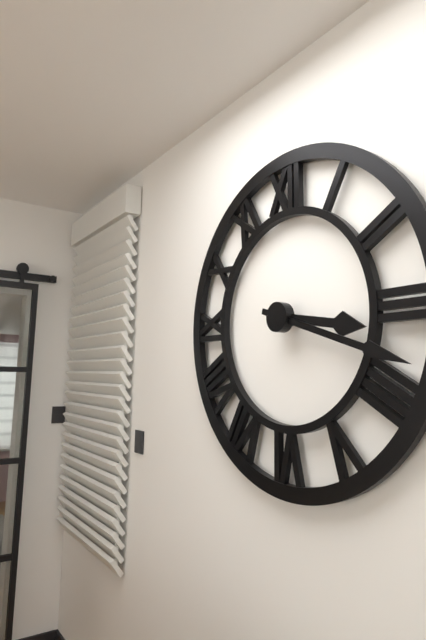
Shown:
3h18
